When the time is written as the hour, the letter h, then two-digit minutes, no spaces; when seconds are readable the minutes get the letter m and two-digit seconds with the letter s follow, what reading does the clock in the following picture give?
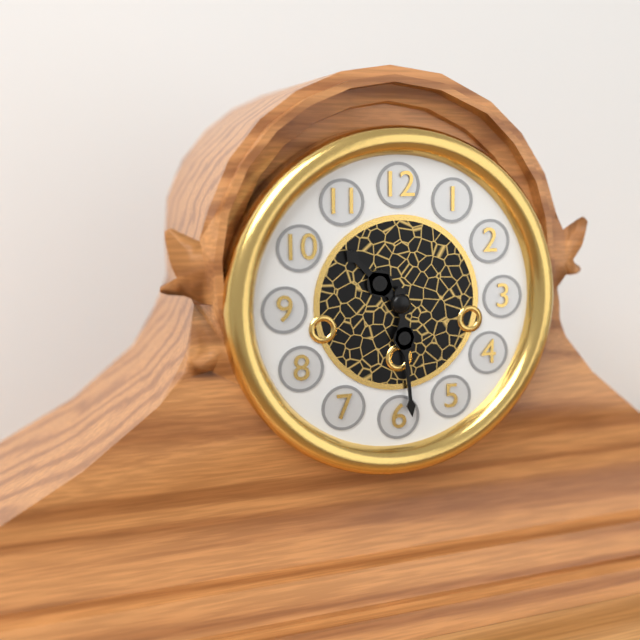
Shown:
10h29
